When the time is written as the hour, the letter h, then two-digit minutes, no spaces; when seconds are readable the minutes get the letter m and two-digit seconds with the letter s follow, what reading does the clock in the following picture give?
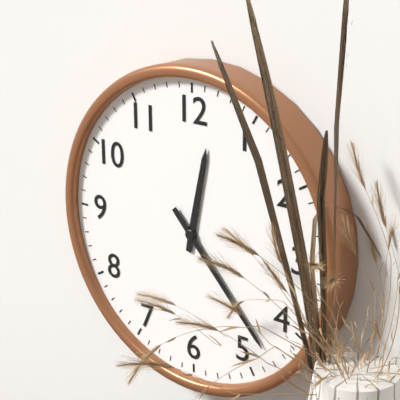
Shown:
12h23
